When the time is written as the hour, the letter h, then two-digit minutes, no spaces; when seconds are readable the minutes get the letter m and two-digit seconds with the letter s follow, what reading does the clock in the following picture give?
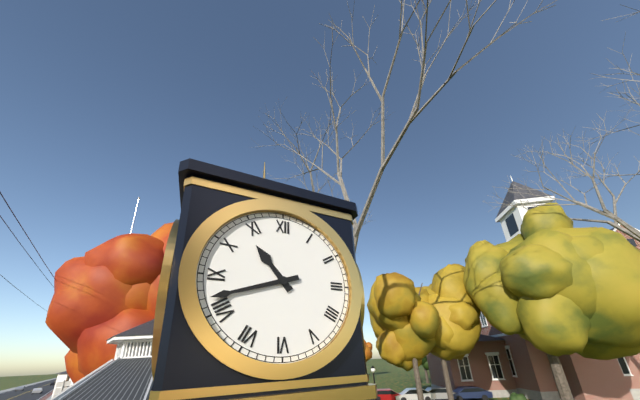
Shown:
10h42
